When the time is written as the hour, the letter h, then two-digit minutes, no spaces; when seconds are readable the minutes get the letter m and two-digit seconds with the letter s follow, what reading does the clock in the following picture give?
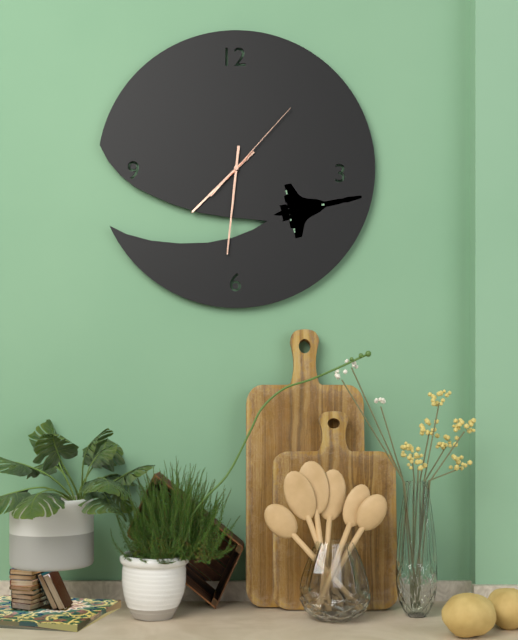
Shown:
7h31m07s
